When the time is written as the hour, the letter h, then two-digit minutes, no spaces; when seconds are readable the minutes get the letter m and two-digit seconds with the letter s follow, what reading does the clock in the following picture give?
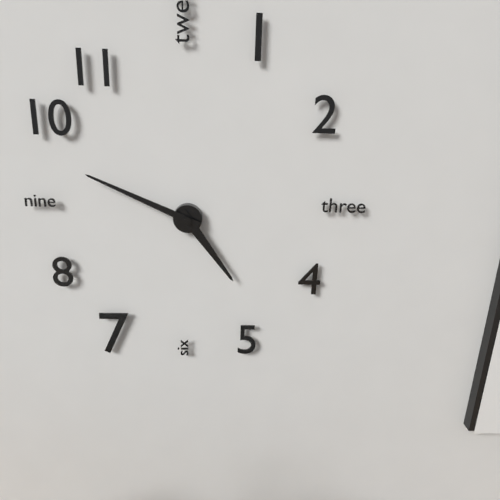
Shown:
4h49
